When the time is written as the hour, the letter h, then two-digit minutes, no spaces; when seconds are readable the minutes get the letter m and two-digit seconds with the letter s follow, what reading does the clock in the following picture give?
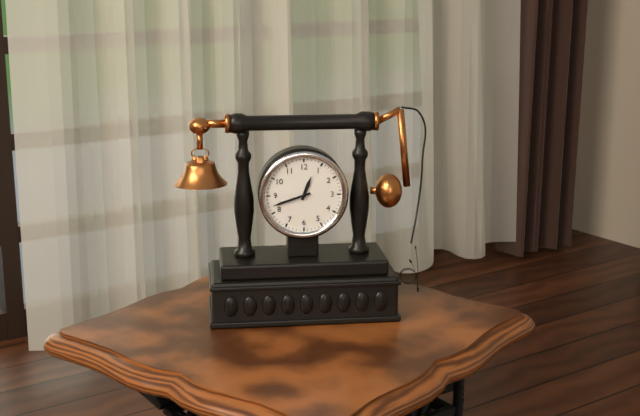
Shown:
12h42
